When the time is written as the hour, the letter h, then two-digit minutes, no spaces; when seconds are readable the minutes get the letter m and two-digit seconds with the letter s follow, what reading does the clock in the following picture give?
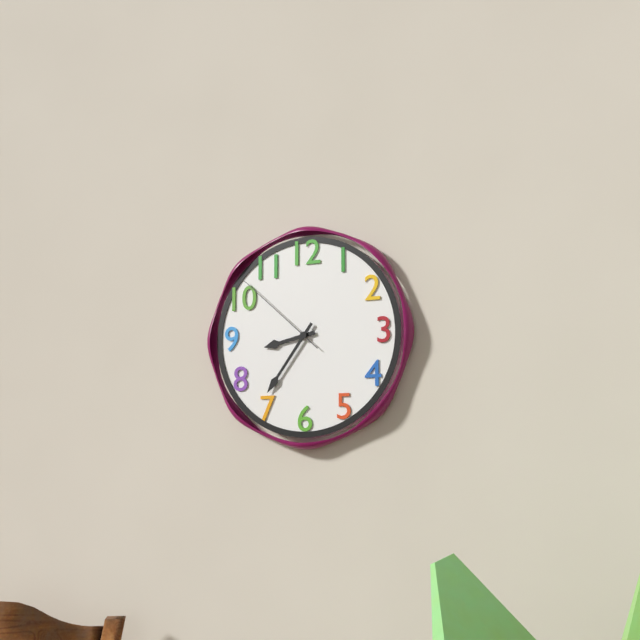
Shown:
8h36m52s
